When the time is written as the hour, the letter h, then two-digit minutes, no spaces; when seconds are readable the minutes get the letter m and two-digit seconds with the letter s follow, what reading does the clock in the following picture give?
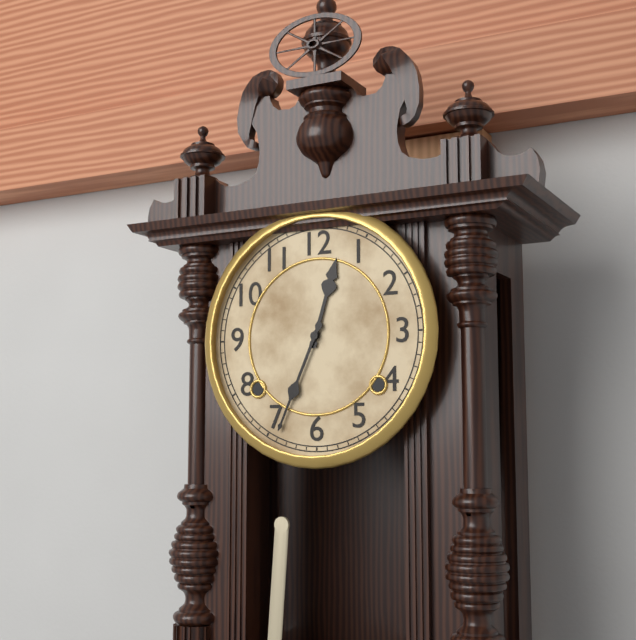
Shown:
12h34
